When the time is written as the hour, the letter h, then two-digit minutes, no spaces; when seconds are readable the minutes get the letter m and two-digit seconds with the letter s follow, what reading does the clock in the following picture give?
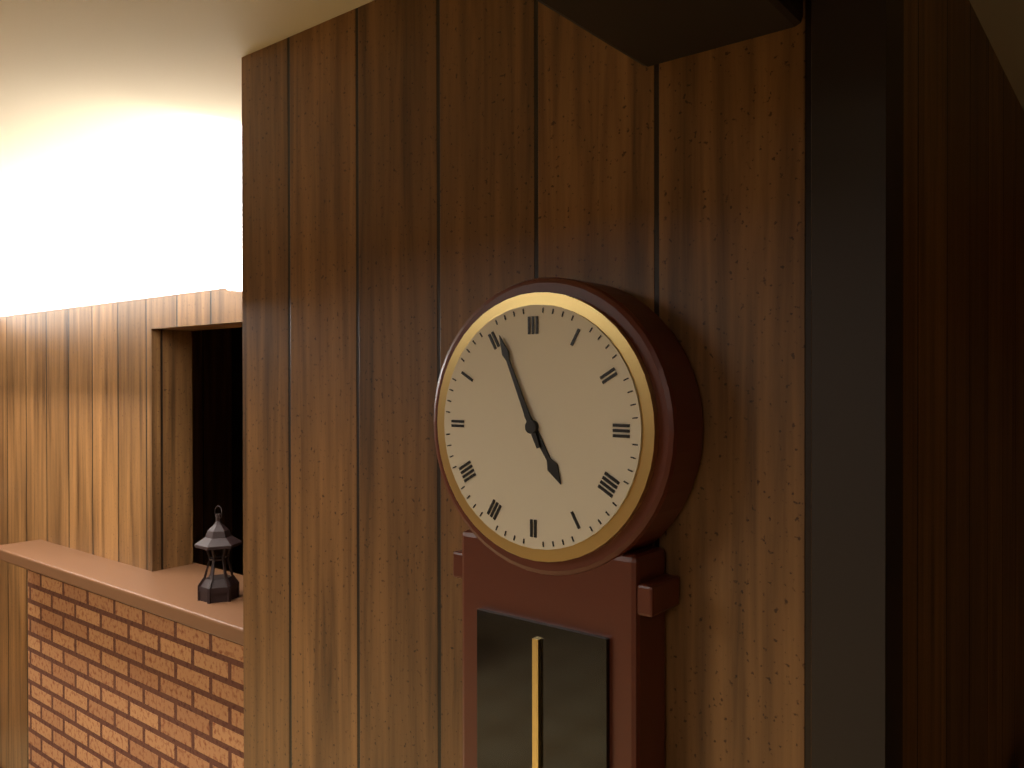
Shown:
4h56
